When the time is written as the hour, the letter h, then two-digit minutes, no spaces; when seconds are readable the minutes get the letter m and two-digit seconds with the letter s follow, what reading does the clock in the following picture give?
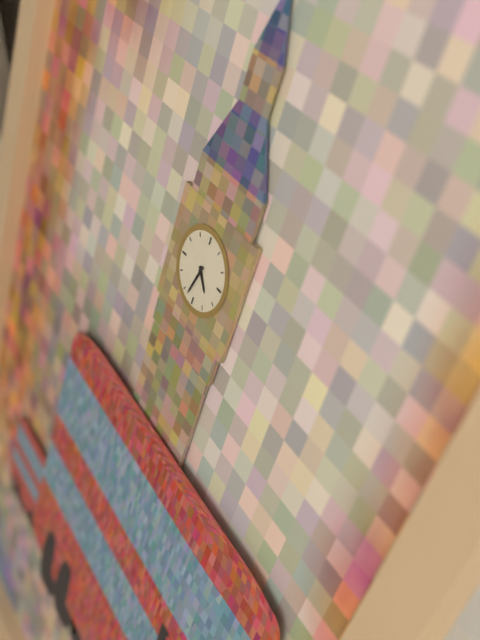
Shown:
4h33
